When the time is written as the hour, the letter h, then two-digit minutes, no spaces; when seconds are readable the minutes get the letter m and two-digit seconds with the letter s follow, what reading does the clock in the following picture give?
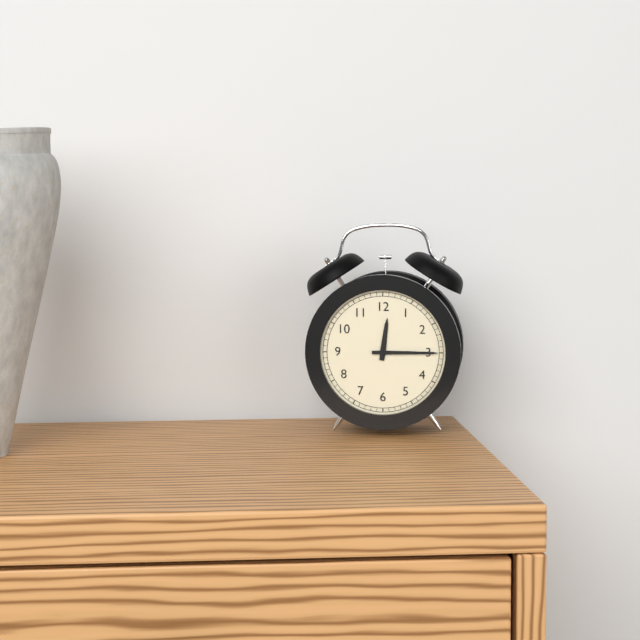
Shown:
12h15
